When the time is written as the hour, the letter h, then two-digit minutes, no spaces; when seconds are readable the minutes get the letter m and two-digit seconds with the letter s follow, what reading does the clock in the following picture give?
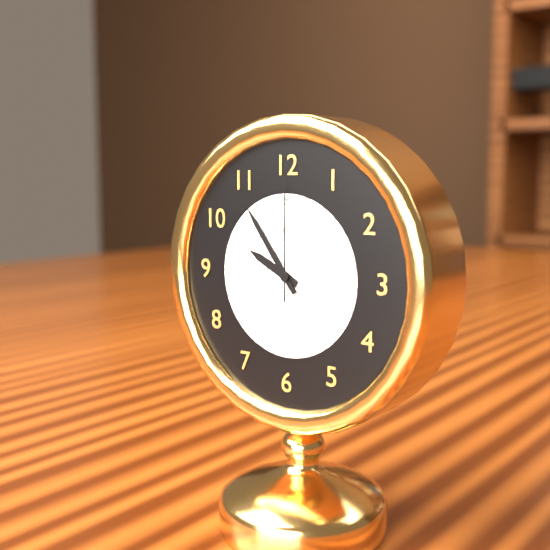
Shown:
9h54m00s
